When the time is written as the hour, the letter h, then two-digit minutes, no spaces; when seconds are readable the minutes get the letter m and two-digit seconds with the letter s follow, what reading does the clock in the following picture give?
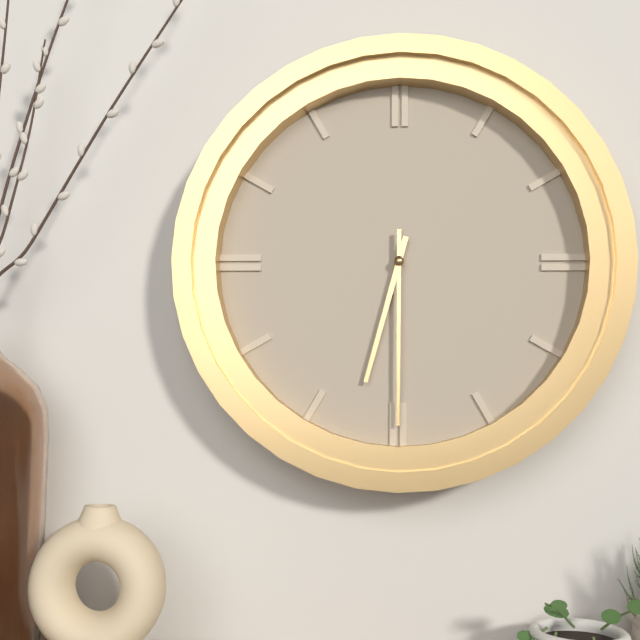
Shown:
6h30
